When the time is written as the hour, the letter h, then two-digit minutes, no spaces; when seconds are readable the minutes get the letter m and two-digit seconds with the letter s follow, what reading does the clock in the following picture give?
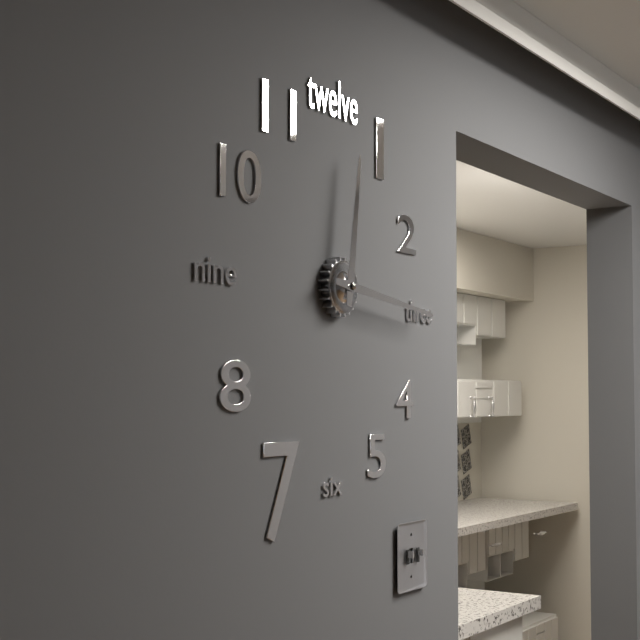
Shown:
12h16
